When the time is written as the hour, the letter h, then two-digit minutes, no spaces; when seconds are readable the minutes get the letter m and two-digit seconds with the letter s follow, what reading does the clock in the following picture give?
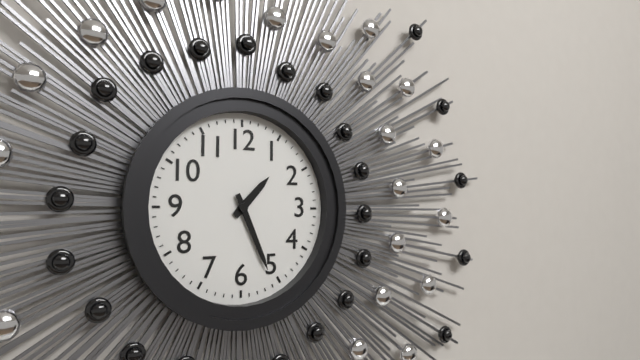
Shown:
1h26
